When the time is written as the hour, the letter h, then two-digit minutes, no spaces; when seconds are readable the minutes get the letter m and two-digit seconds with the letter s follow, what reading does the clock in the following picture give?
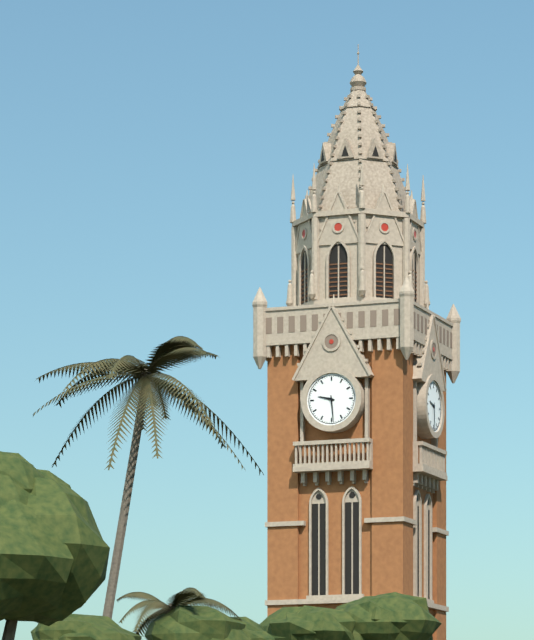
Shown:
9h29
